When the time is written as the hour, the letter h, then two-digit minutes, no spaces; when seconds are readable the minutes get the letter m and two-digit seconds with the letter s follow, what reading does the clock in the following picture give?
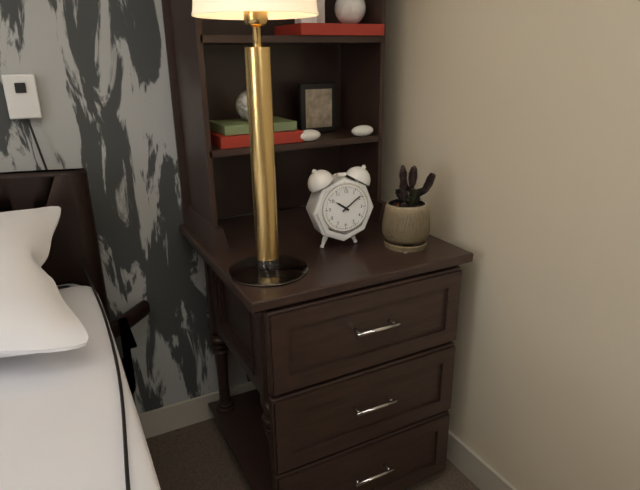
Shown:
10h09
